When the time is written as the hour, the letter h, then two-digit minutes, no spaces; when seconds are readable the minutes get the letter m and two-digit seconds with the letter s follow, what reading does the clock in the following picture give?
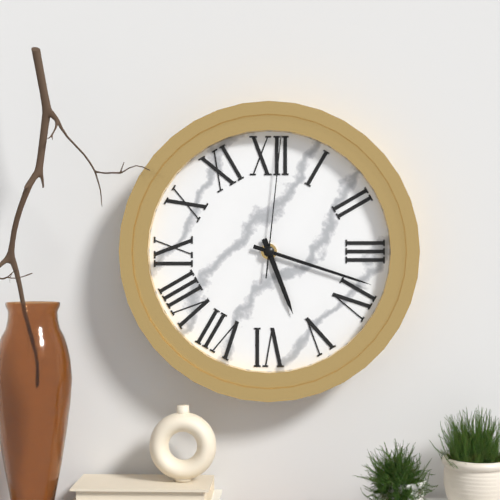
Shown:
5h18m01s
